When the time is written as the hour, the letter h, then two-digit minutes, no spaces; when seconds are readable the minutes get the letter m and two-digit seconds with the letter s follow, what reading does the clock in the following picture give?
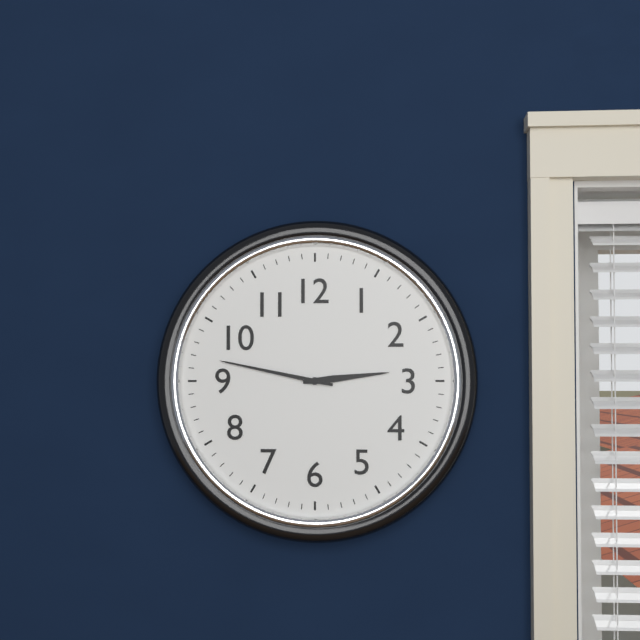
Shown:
2h47
